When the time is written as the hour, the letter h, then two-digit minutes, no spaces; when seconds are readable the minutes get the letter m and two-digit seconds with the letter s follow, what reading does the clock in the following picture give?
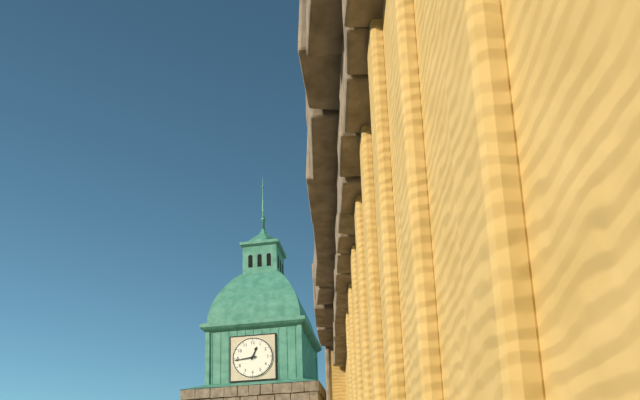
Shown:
12h44
